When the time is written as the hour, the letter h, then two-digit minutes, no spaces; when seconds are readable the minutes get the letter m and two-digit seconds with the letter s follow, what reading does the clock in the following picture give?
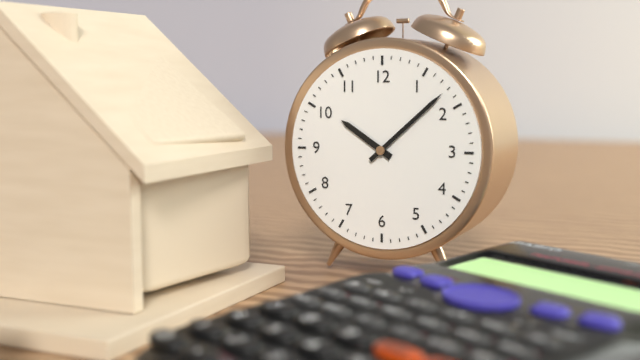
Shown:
10h08
